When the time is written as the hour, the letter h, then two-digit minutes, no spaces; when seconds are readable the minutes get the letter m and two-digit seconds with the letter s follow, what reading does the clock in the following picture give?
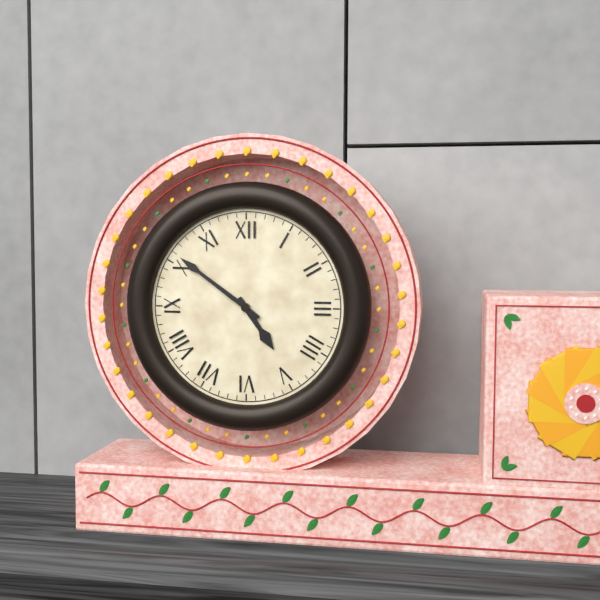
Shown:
4h51
